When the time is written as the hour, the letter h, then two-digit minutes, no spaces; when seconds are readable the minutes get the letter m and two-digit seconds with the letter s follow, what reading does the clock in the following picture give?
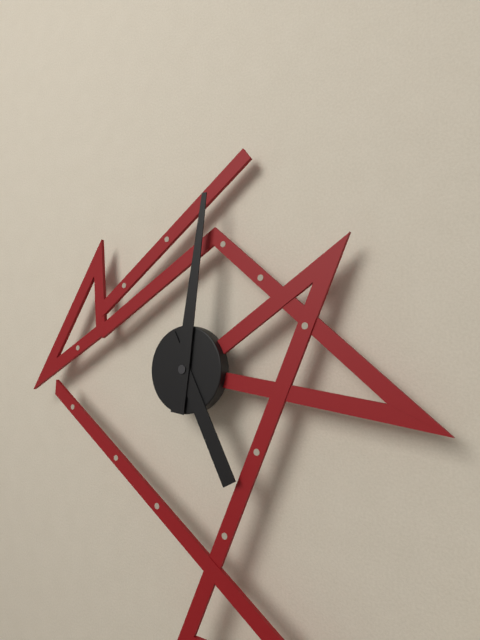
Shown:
5h01
